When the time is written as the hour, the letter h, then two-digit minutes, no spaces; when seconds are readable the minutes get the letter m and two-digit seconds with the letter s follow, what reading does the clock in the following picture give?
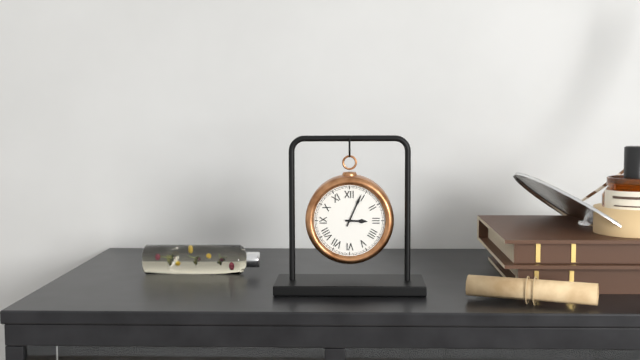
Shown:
3h04
